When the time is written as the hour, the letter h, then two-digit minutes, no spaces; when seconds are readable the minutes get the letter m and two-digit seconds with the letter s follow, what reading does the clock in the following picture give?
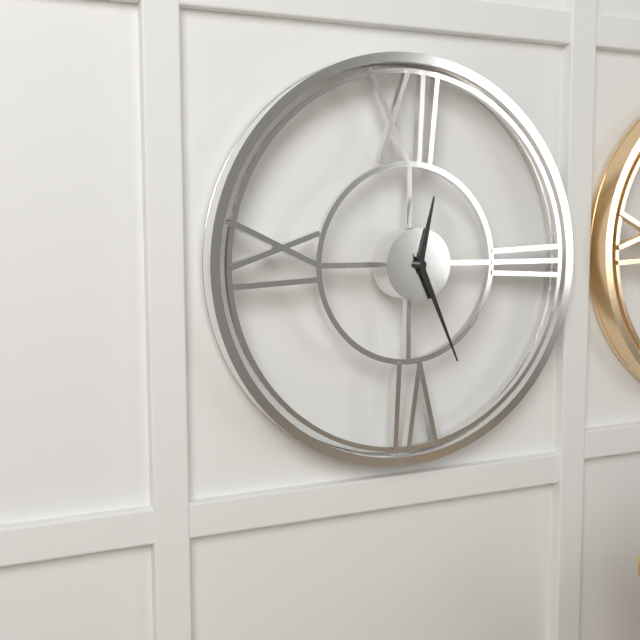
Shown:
12h26
